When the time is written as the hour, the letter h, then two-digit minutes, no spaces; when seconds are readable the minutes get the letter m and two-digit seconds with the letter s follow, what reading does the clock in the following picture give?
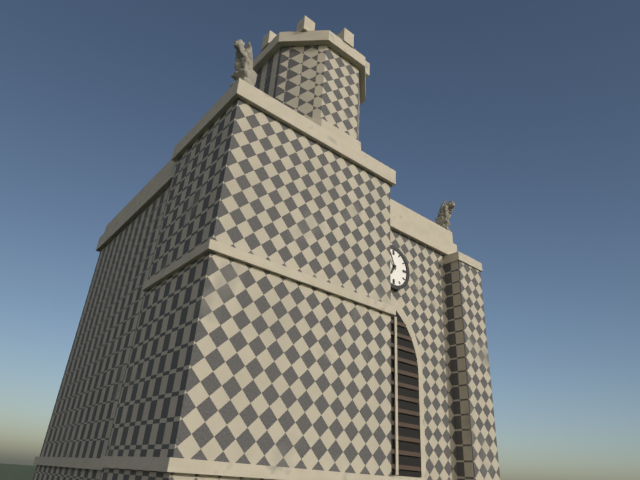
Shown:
6h56
